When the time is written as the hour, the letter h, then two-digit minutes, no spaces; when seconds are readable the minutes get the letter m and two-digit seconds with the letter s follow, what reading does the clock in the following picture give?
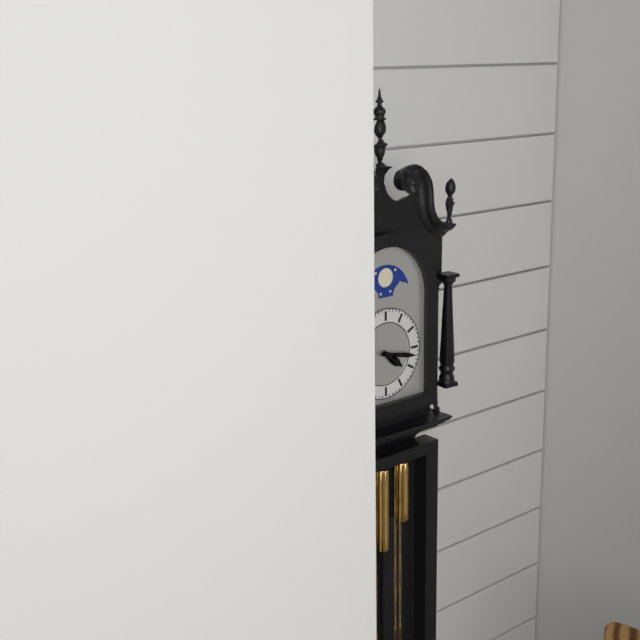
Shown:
4h17
